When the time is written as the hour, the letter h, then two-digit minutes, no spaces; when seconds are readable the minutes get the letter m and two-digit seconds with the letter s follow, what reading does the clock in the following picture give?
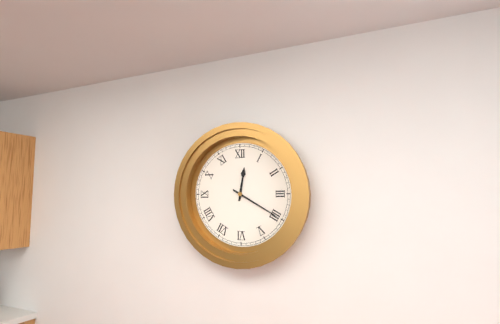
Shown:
12h20
